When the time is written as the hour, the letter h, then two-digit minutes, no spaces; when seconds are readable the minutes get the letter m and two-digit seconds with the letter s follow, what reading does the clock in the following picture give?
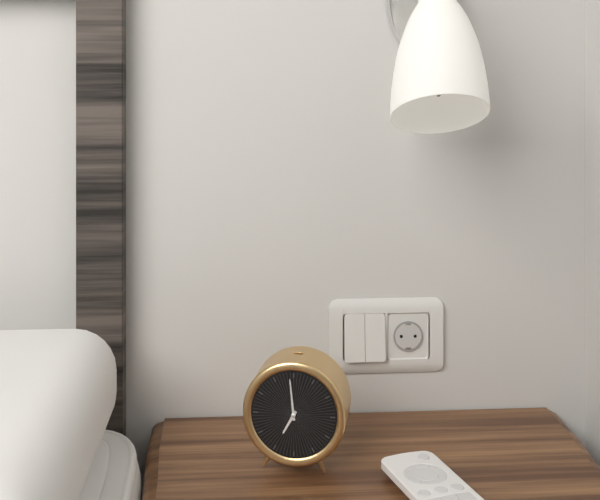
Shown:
6h59
